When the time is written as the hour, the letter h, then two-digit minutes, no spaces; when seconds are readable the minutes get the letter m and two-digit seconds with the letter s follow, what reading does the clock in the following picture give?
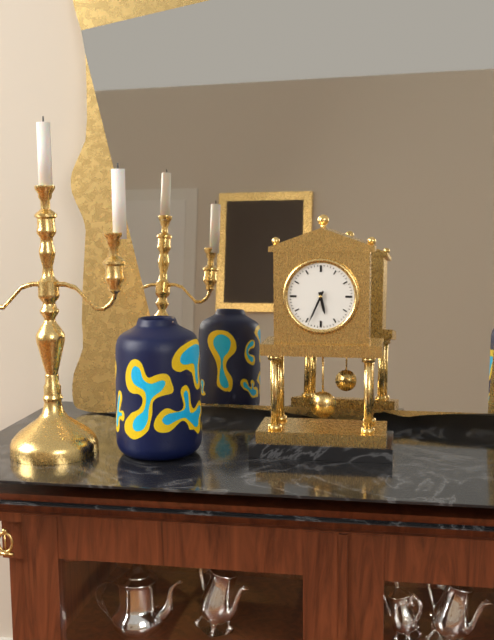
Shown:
5h34
